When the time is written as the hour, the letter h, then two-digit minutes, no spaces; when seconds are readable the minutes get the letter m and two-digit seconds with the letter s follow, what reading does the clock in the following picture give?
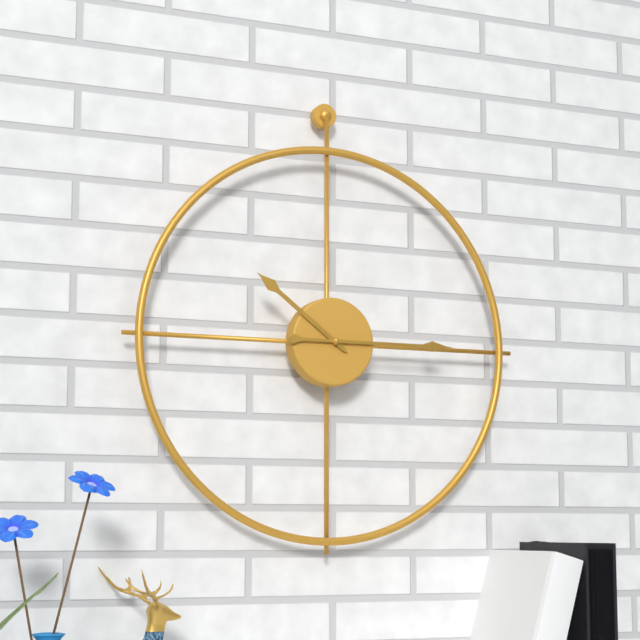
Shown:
10h15
